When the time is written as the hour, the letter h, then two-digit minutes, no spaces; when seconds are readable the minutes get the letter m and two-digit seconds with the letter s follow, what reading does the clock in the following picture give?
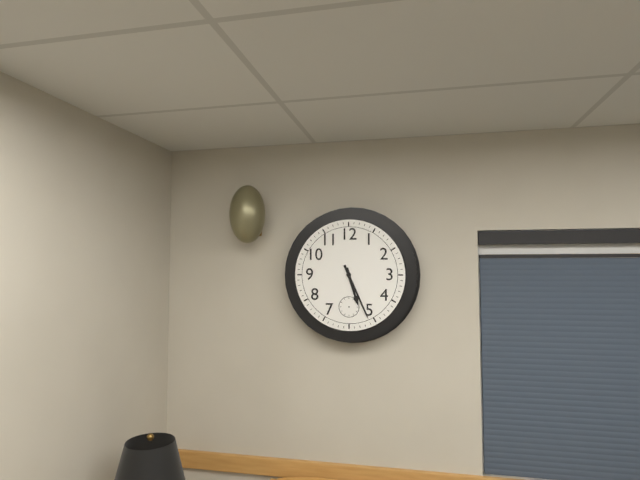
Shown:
5h26
